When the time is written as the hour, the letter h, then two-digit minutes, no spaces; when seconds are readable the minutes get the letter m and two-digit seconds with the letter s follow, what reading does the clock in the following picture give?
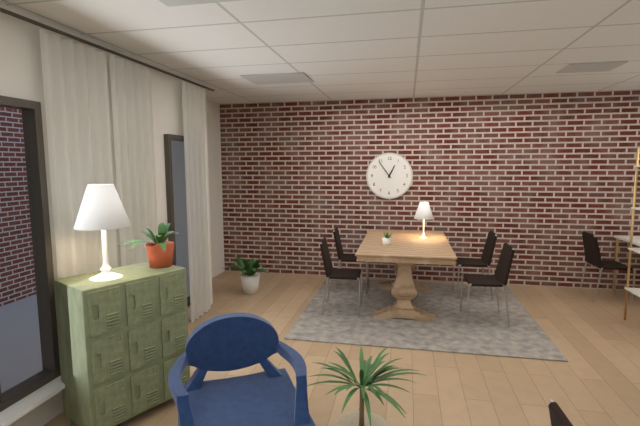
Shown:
12h54
